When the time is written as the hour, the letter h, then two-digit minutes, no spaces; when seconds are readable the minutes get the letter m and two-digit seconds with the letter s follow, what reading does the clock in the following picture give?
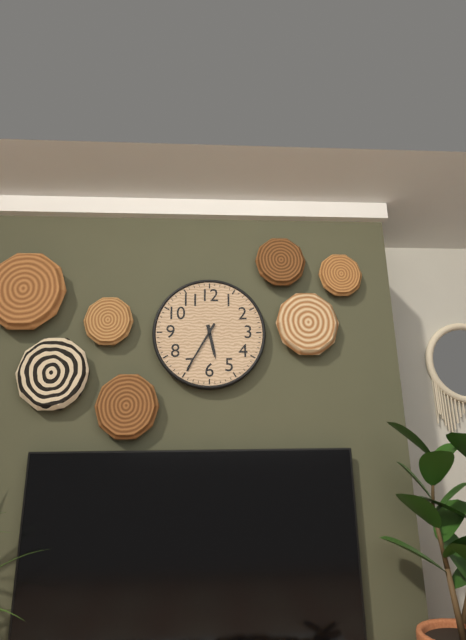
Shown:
5h35
